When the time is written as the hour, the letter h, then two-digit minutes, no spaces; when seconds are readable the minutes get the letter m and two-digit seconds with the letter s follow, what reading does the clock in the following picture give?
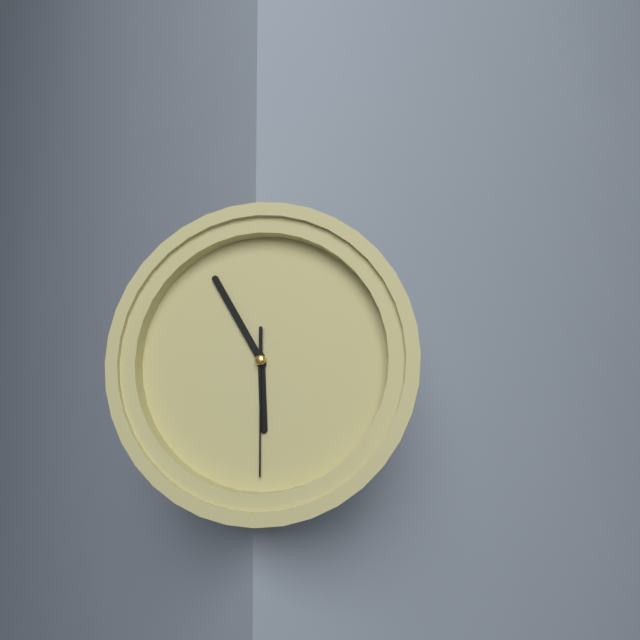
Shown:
5h55m30s
